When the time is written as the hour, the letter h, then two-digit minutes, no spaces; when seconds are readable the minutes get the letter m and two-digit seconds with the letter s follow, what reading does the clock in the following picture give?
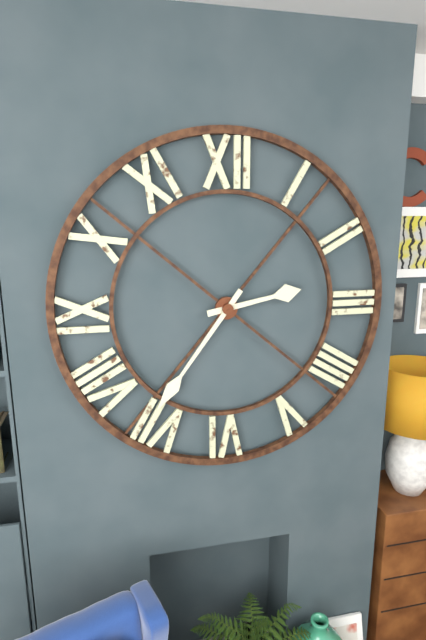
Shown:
2h36
